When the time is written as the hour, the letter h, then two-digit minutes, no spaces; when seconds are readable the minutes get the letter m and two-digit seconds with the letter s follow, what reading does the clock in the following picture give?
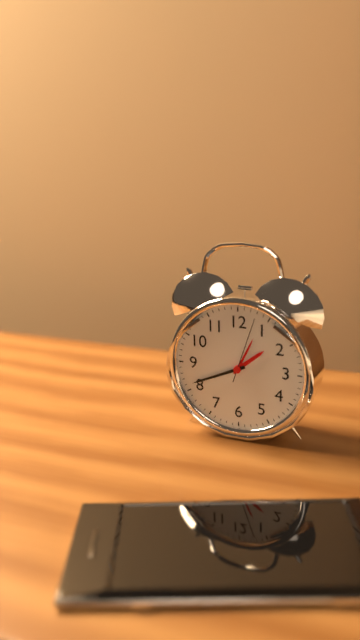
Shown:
1h41m03s
